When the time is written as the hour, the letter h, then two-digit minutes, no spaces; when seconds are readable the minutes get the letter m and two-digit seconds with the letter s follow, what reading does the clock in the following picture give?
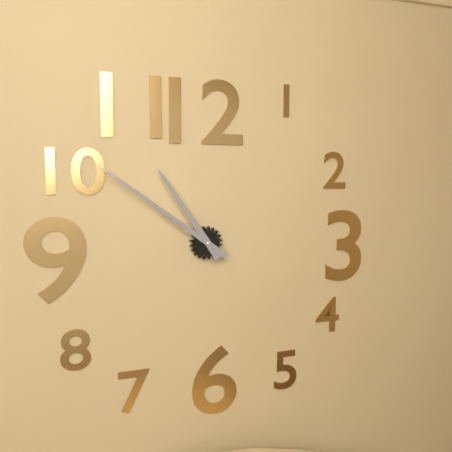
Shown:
10h51
